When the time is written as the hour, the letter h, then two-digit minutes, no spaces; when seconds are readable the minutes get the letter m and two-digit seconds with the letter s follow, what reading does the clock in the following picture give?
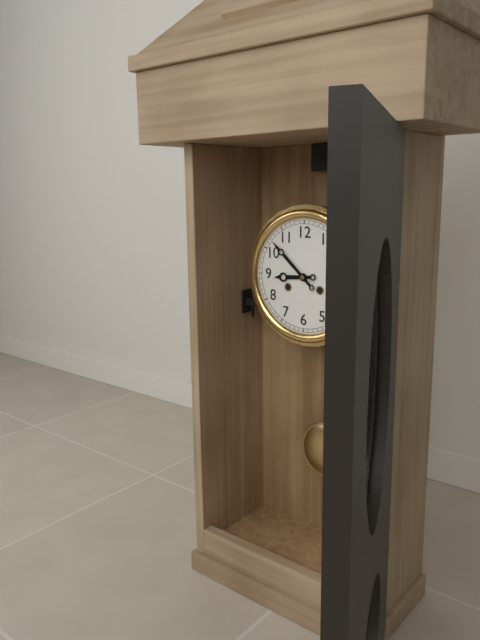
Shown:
8h52
